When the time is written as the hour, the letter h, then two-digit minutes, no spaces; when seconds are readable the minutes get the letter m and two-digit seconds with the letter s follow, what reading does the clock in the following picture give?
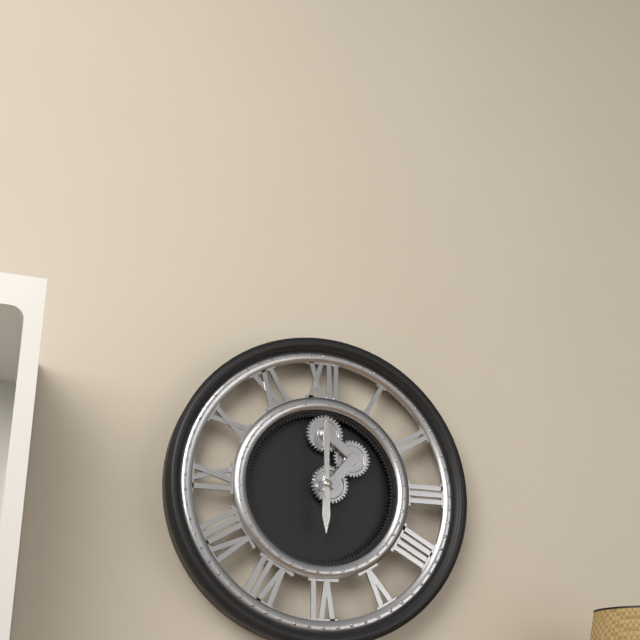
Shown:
6h00
